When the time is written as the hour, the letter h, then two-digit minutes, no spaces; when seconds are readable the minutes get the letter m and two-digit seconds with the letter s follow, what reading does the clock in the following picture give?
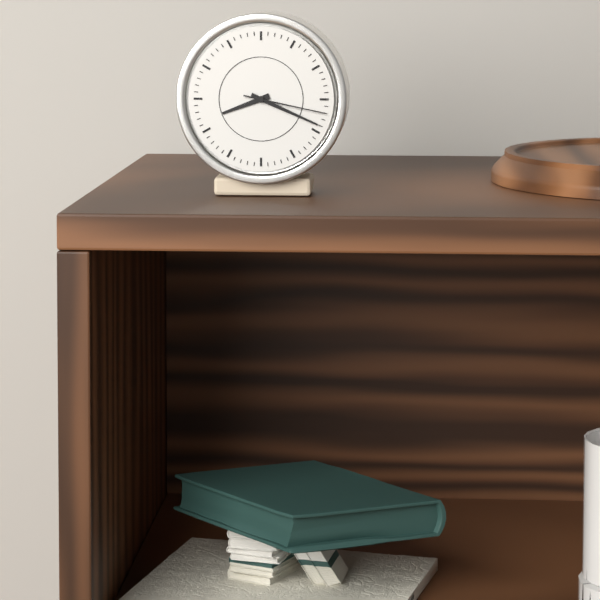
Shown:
8h19m17s
